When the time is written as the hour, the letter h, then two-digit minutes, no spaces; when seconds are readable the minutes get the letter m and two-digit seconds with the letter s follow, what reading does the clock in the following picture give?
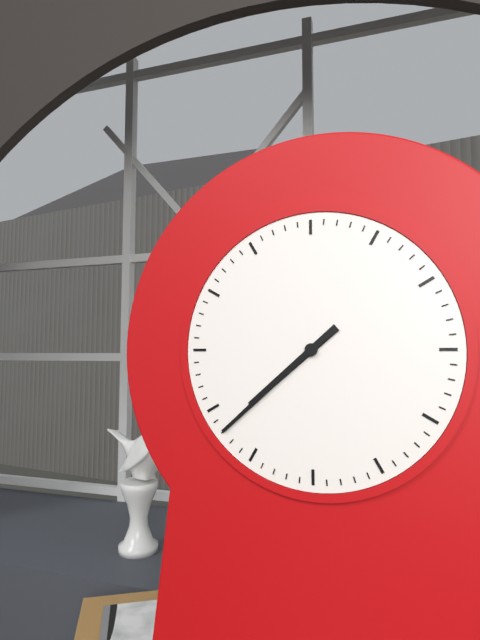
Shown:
7h38
